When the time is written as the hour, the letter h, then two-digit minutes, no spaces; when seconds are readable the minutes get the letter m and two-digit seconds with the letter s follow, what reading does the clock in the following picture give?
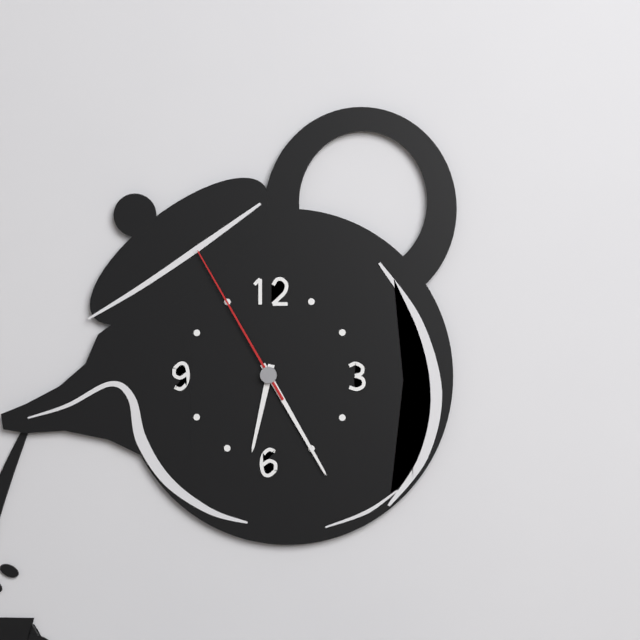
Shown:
6h25m55s
